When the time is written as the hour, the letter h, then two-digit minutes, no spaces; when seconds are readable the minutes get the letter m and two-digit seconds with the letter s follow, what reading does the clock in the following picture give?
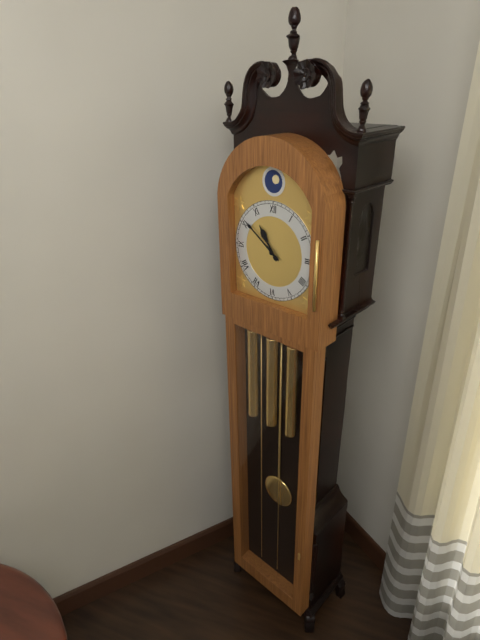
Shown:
10h51
